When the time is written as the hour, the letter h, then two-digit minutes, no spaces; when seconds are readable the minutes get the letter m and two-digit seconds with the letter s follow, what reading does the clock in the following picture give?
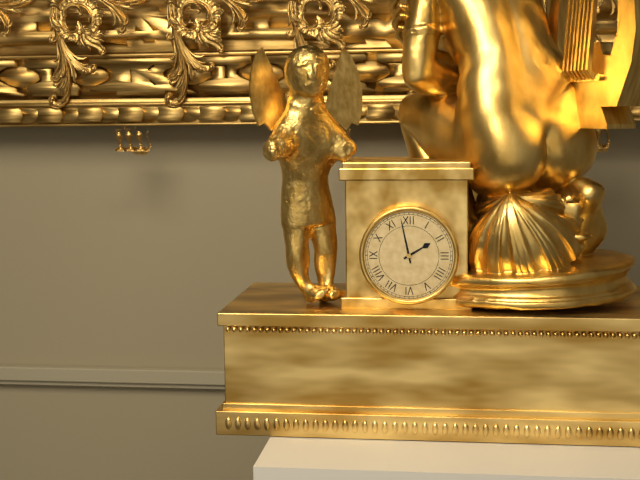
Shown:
1h58
